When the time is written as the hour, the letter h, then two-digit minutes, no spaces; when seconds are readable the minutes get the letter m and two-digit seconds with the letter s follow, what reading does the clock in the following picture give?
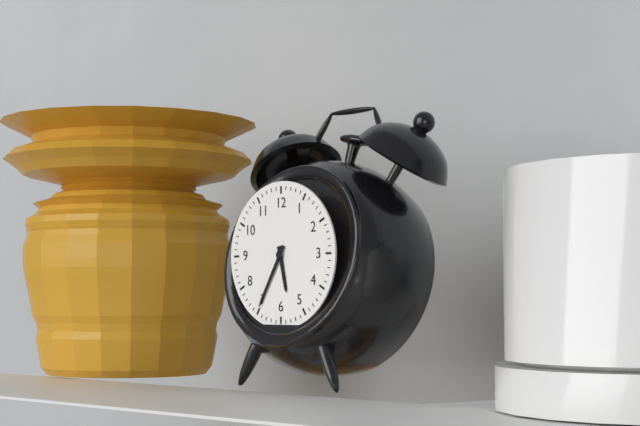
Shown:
5h35
